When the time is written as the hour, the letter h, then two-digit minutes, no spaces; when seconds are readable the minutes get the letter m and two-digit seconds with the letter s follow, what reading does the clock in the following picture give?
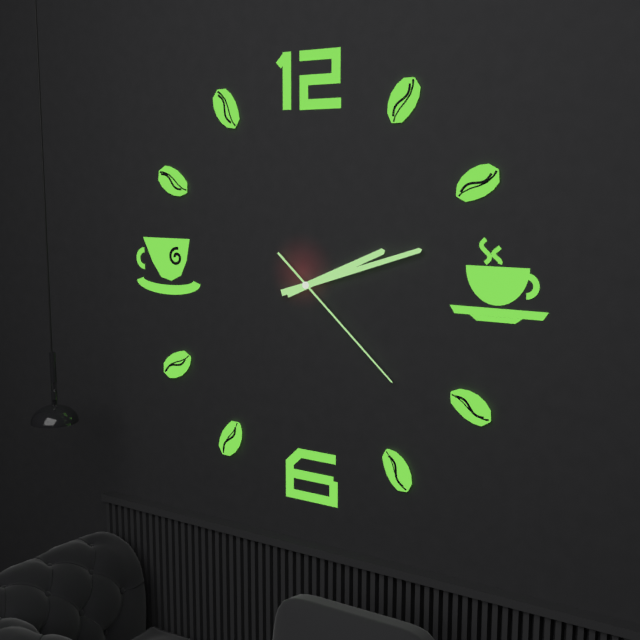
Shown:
2h12m22s
